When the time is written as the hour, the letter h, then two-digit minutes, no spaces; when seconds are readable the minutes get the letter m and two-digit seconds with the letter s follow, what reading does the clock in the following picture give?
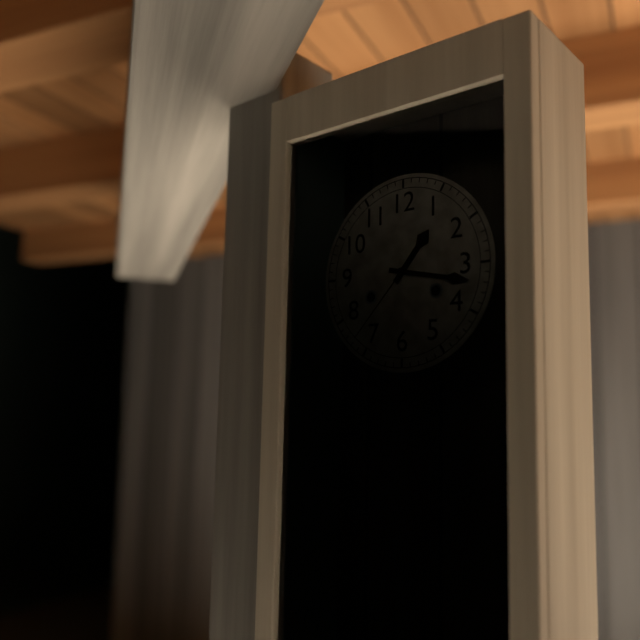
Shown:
1h17m37s
